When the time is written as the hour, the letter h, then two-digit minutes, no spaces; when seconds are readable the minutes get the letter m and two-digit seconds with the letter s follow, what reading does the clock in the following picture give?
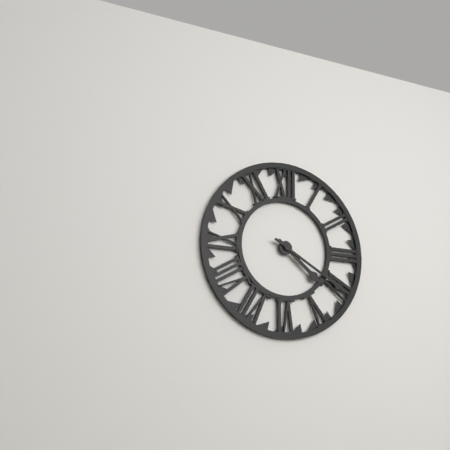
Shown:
4h20
